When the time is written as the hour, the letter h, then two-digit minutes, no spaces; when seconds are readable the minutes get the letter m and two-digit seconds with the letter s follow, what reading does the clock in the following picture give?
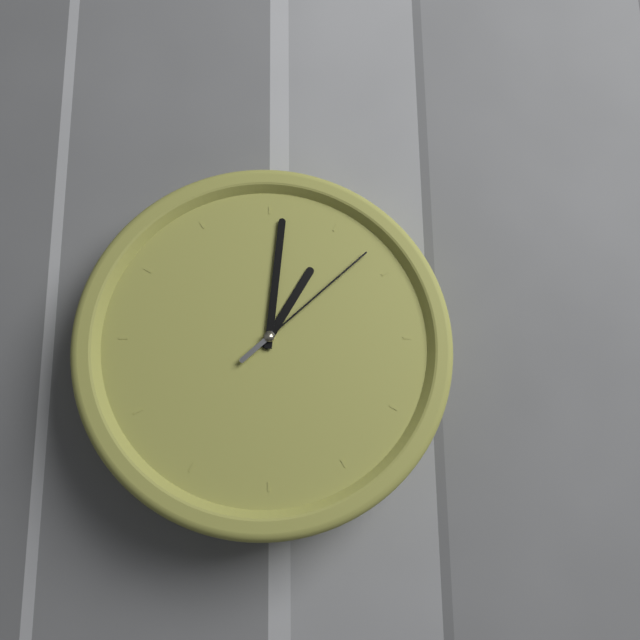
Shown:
1h01m08s
